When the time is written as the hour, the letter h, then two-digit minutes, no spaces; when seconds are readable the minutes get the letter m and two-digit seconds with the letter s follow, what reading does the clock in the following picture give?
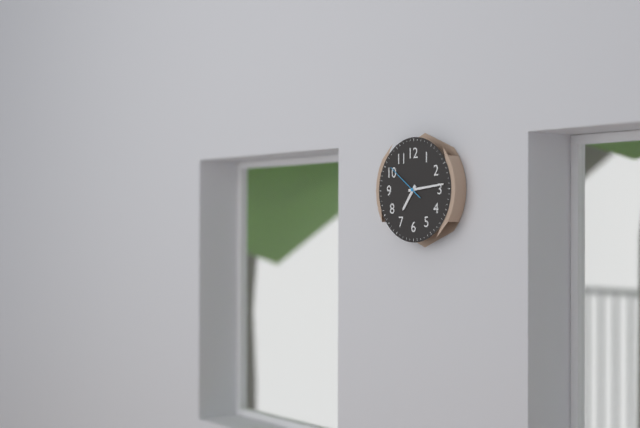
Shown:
7h14
